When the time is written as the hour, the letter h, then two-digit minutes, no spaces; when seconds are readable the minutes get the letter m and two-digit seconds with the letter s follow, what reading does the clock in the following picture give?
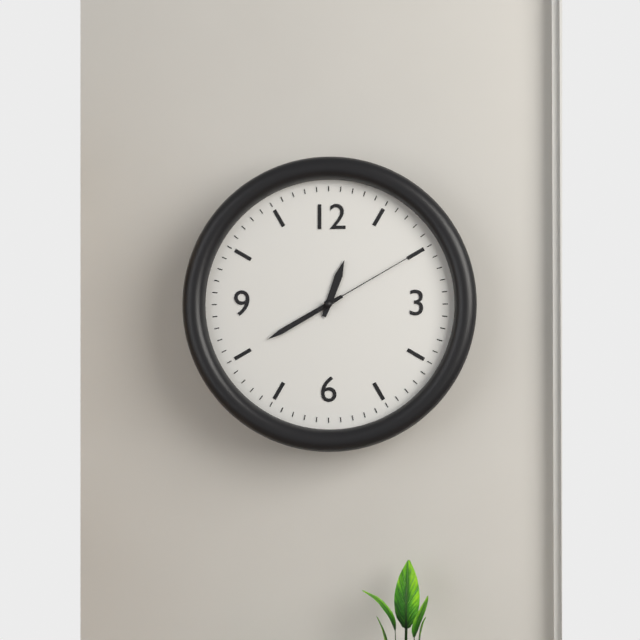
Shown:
12h40m10s
